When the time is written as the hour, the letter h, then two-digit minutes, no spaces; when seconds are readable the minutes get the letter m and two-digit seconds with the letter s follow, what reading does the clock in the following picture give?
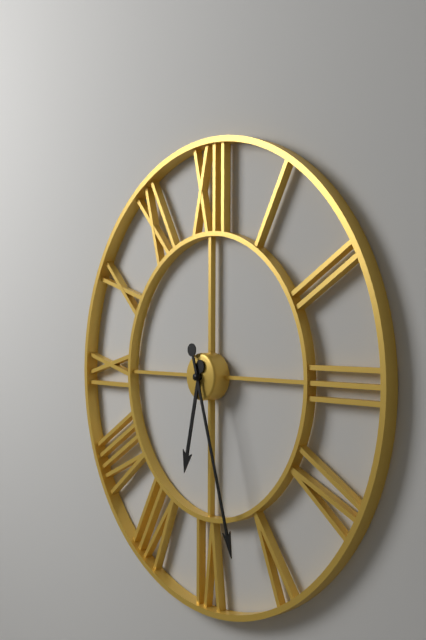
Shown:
6h27
